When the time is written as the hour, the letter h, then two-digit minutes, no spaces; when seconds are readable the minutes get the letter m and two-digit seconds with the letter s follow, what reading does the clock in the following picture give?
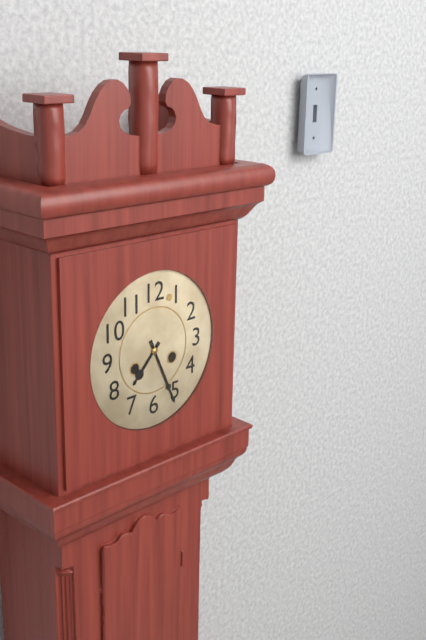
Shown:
7h26
